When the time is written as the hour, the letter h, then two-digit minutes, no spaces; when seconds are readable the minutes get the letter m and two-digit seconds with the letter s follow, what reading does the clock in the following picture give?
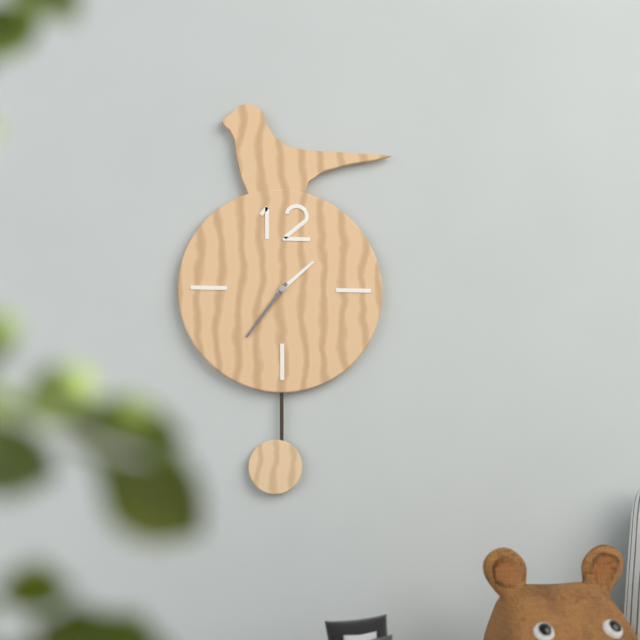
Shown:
1h36
